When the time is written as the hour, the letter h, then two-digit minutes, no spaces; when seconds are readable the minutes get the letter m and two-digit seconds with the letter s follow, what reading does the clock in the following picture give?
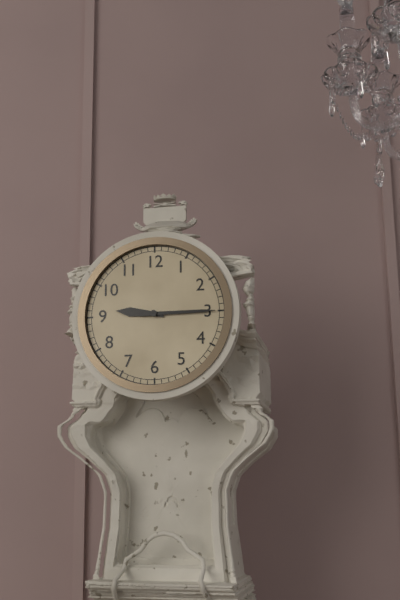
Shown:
9h15
